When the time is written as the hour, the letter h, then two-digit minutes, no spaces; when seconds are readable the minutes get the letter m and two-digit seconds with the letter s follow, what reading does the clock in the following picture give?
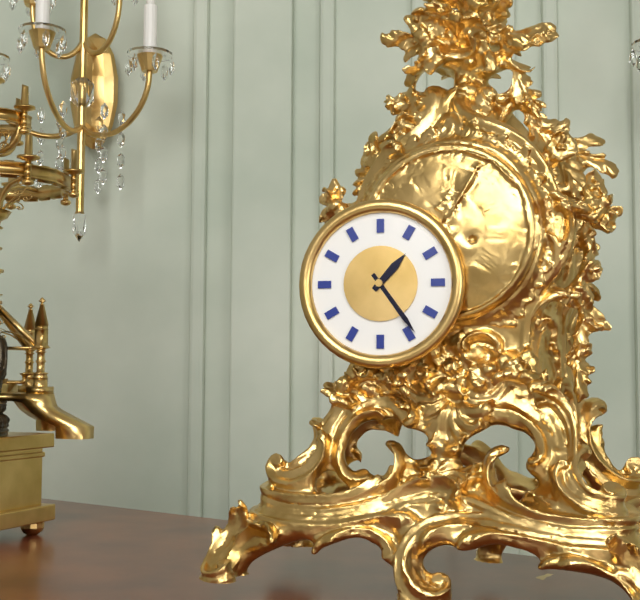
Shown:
1h24
